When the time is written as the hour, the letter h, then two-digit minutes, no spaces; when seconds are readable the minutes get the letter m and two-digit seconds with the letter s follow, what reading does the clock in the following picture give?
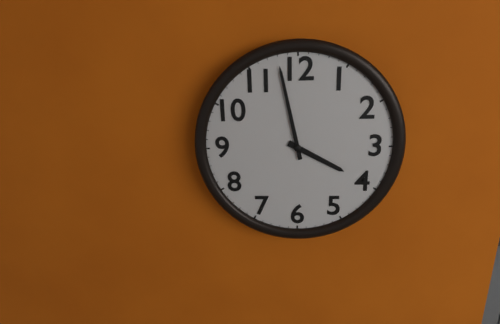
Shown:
3h58
